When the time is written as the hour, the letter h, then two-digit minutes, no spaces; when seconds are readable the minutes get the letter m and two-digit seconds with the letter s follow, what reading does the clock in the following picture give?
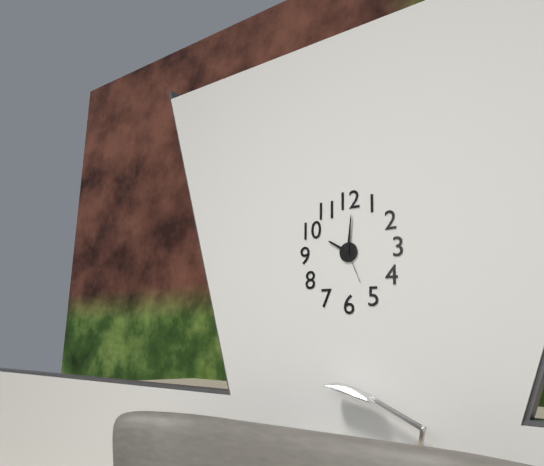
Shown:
10h01
